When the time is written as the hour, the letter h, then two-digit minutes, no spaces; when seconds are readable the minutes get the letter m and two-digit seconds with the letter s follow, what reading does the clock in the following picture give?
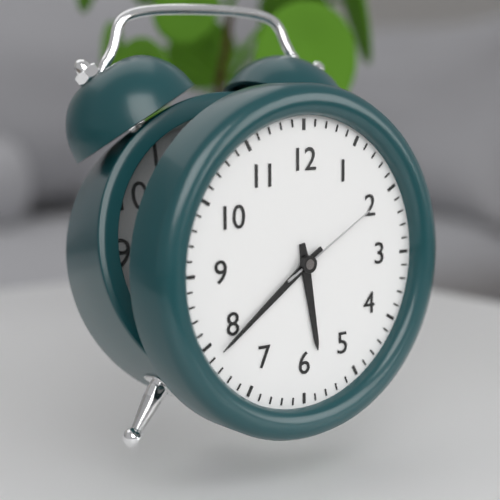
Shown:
5h39m10s
